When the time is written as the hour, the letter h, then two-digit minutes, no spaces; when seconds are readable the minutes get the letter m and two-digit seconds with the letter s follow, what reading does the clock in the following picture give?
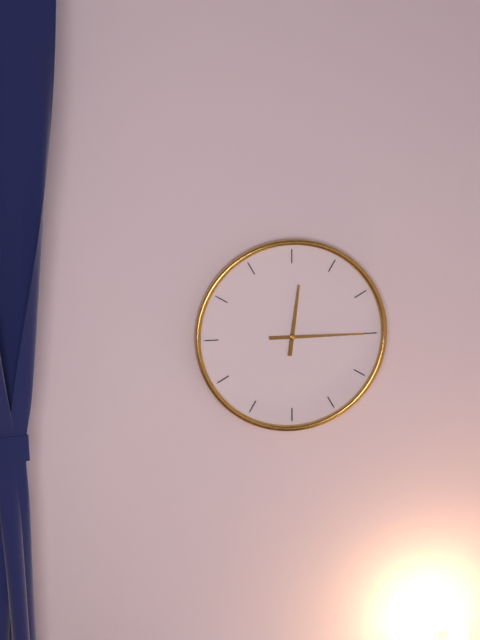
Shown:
12h15
